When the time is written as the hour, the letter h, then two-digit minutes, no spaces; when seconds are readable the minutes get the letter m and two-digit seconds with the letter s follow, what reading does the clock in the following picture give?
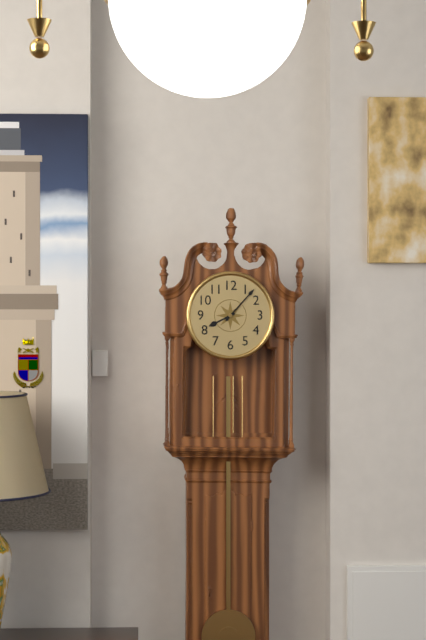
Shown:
8h07
